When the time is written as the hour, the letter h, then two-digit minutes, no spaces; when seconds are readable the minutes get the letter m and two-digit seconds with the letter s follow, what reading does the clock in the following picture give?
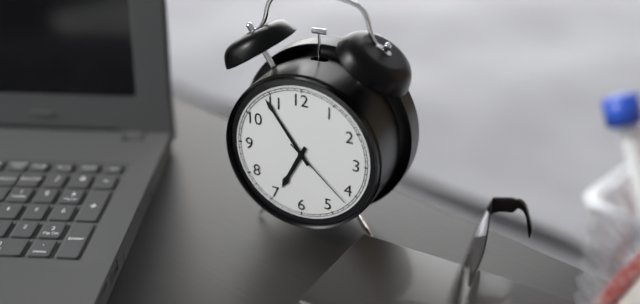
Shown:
6h54m22s
